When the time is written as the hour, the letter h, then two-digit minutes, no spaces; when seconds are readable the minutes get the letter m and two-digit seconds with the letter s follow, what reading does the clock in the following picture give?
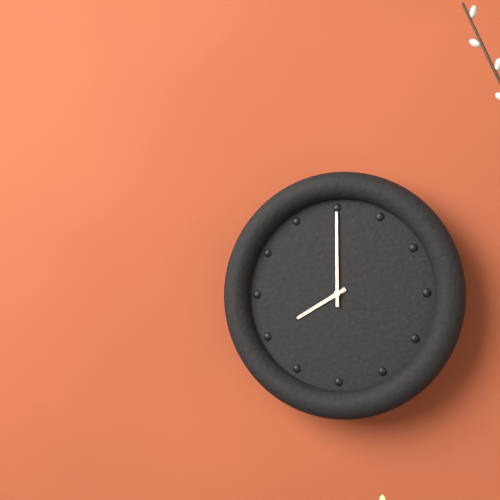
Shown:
8h00
